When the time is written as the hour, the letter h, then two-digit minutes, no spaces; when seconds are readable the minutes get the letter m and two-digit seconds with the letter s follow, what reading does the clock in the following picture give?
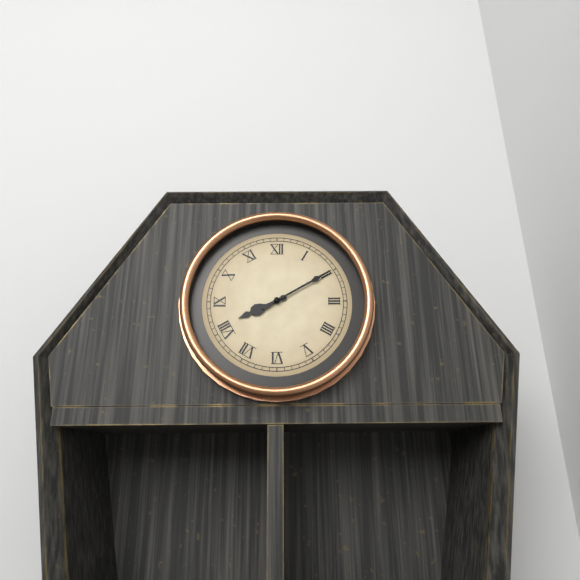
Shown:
8h10
